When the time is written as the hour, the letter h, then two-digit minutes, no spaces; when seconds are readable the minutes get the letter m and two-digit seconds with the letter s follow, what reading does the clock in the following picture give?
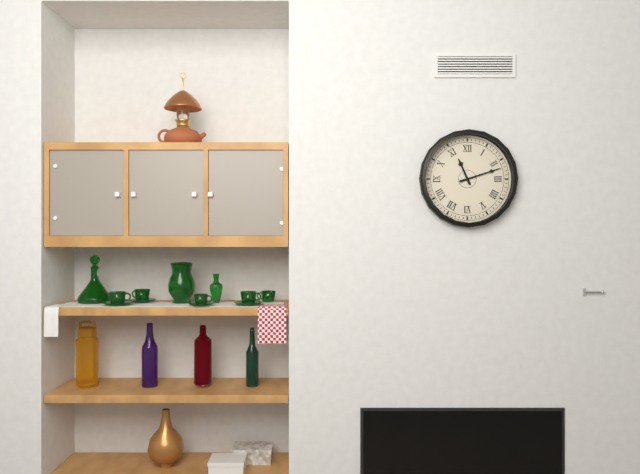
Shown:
11h12
